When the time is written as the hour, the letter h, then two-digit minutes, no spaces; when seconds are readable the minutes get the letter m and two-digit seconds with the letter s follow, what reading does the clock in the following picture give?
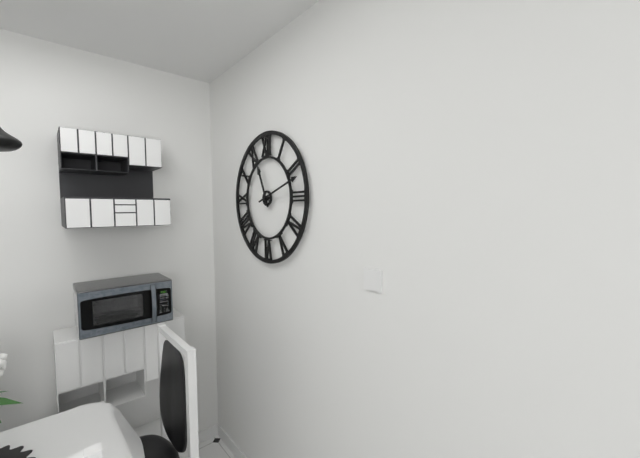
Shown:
11h12
